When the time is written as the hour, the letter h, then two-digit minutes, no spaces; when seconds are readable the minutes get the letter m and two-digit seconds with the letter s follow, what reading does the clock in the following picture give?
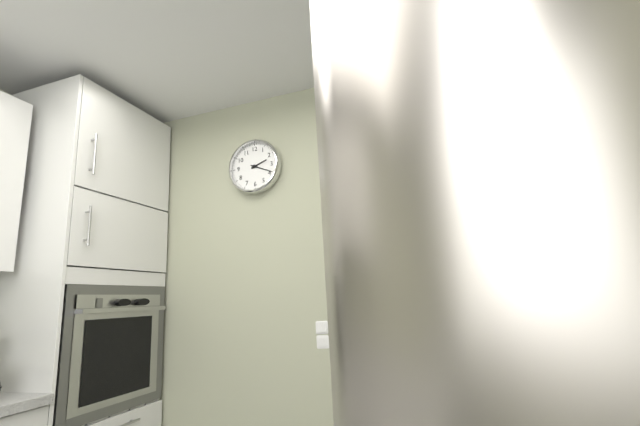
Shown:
2h19
